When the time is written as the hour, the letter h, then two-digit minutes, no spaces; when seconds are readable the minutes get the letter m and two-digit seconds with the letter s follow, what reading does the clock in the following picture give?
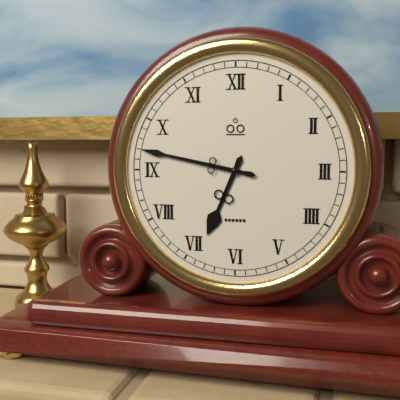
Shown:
6h47
